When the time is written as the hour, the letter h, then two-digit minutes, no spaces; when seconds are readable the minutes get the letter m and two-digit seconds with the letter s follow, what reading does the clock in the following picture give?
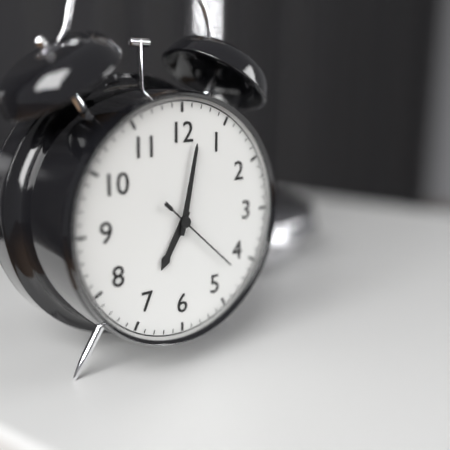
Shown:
7h02m22s
